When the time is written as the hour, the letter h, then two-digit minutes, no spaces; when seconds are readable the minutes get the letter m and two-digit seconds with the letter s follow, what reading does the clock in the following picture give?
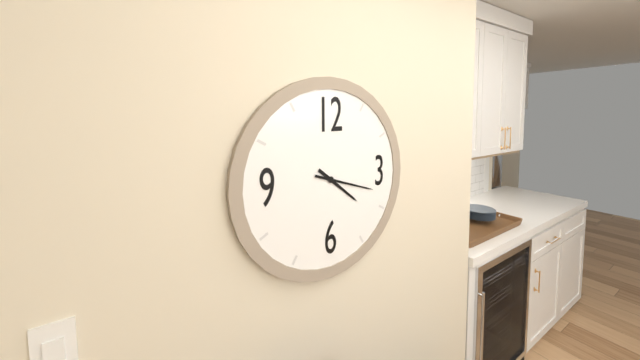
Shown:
4h18
